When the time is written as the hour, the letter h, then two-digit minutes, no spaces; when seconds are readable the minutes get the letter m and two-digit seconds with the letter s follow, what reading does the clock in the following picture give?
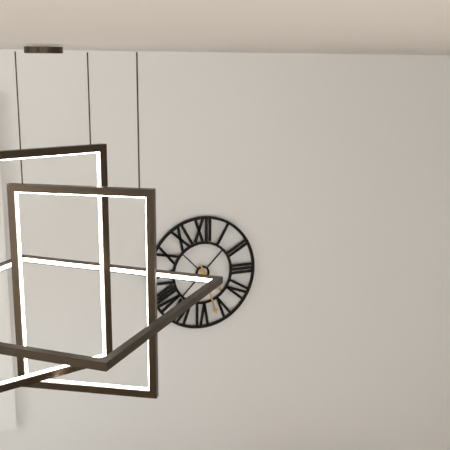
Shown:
4h27
